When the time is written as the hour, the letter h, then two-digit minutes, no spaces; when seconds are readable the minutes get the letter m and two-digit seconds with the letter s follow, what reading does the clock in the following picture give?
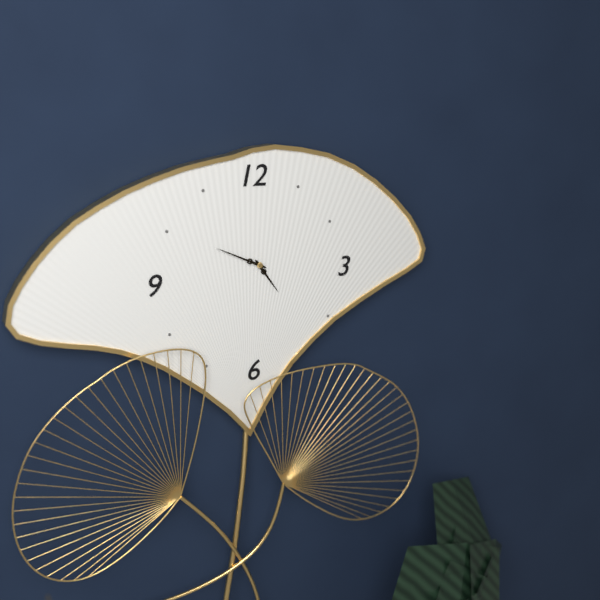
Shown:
4h49
